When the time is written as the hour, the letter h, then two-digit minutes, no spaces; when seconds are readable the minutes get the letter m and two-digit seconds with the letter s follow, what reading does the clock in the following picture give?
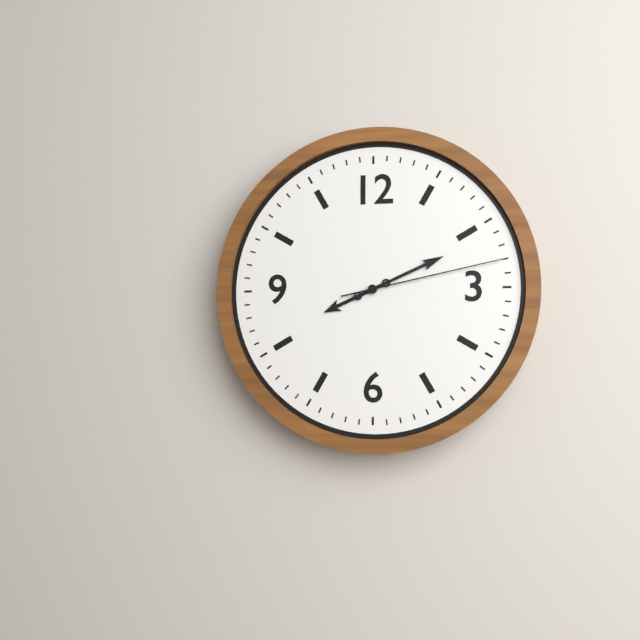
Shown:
8h11m13s
